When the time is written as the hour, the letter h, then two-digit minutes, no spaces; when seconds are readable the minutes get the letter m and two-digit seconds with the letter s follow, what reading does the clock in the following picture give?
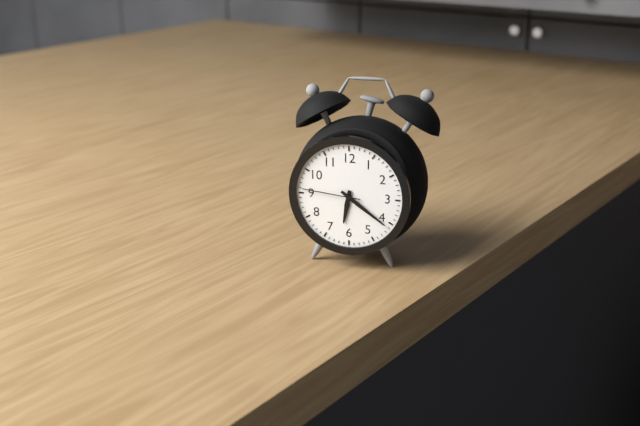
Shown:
6h21m46s
